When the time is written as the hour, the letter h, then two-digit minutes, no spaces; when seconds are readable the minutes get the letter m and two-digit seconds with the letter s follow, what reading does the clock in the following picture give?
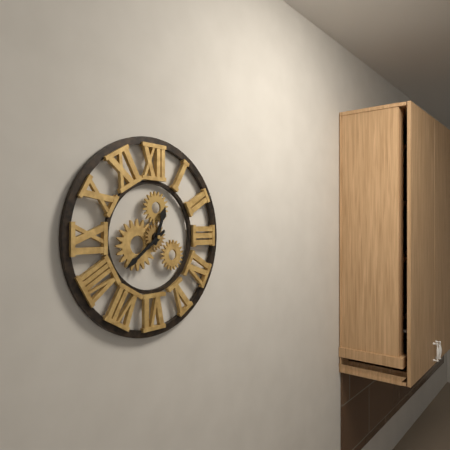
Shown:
12h39
